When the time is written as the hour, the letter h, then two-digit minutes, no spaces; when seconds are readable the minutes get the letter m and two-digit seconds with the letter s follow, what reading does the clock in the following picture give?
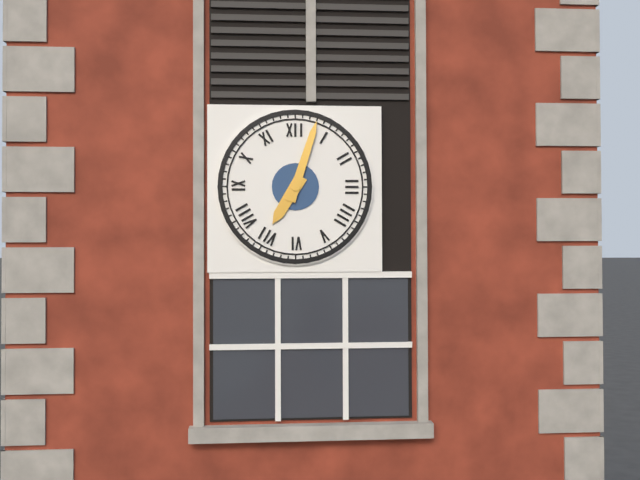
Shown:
7h03
